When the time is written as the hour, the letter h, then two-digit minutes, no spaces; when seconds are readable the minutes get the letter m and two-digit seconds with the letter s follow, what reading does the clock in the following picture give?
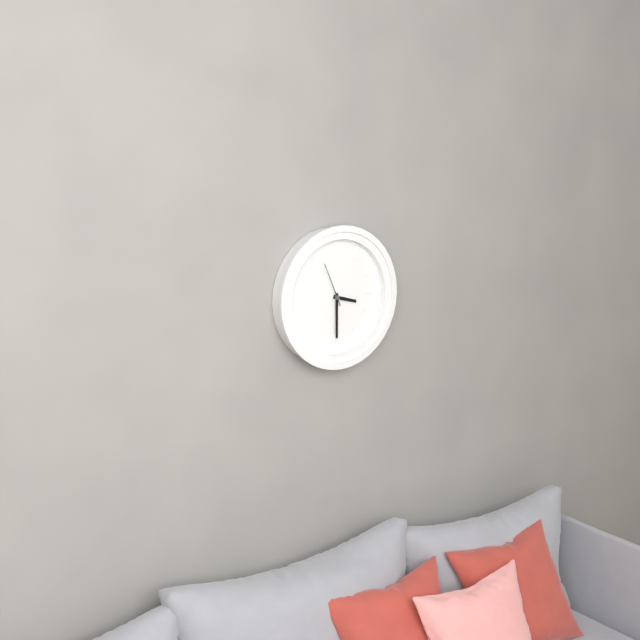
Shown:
3h30
